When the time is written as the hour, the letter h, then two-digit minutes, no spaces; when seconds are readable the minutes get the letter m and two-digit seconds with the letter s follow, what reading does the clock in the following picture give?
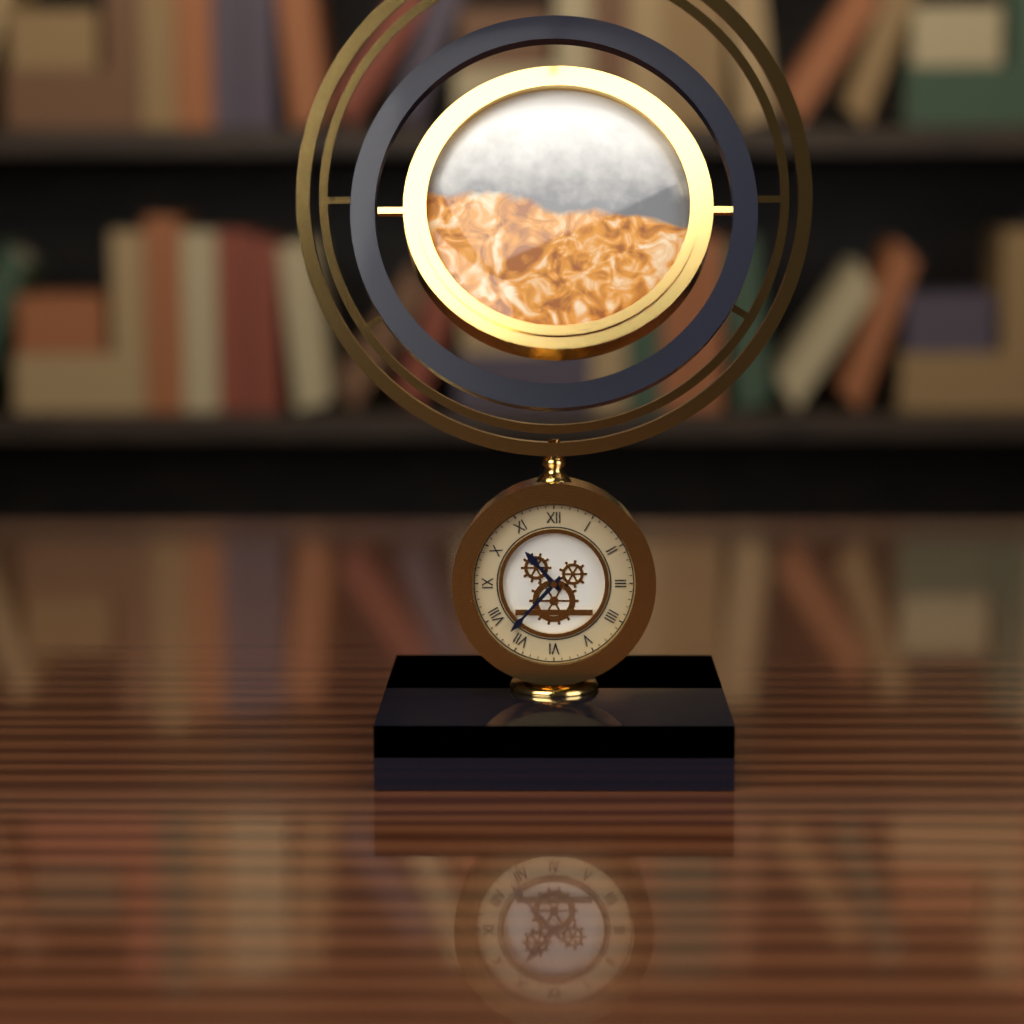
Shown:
10h37
